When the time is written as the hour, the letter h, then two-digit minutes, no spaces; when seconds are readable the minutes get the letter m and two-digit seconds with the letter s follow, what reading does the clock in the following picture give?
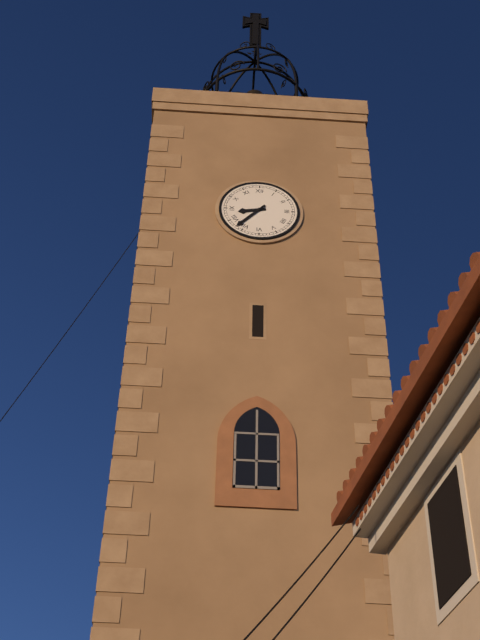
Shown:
8h37
